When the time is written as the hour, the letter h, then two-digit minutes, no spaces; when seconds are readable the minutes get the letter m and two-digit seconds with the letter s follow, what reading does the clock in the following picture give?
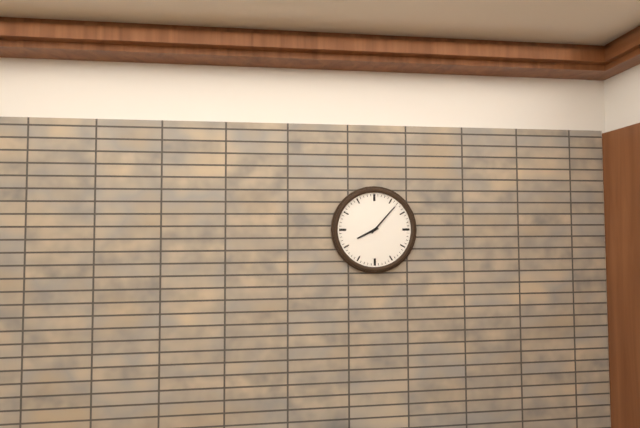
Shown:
8h07
